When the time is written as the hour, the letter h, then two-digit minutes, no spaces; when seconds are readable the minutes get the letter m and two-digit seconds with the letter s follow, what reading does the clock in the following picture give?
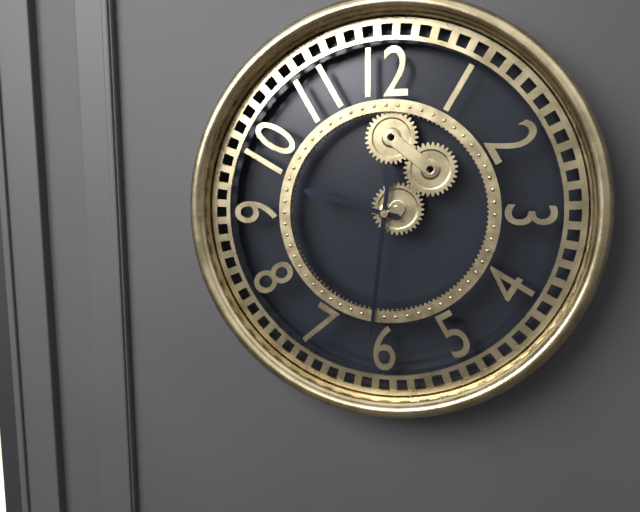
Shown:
9h31
